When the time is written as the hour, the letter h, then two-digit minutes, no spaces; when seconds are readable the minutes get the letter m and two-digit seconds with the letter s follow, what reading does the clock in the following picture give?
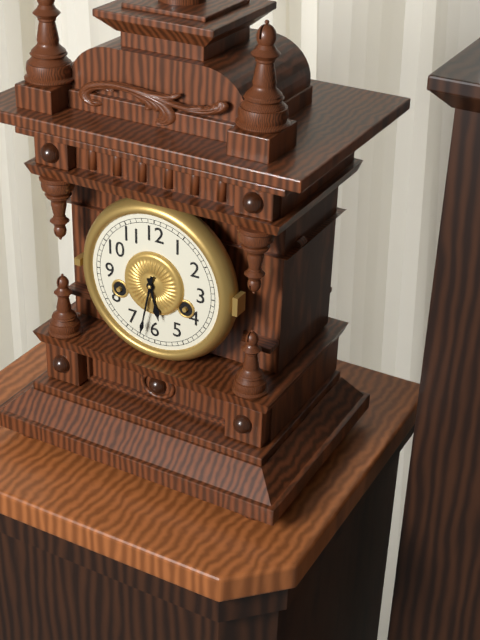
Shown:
5h32
